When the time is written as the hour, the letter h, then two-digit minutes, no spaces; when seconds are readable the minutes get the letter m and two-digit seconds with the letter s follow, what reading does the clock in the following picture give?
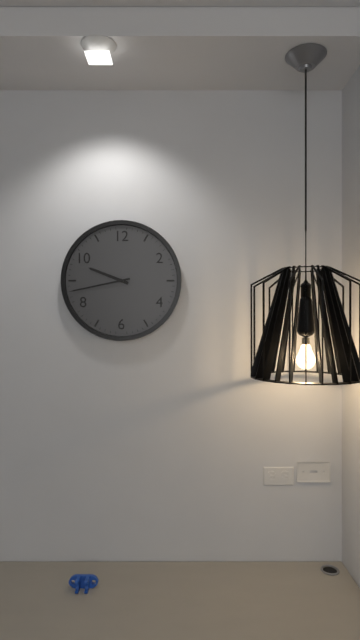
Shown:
9h43
